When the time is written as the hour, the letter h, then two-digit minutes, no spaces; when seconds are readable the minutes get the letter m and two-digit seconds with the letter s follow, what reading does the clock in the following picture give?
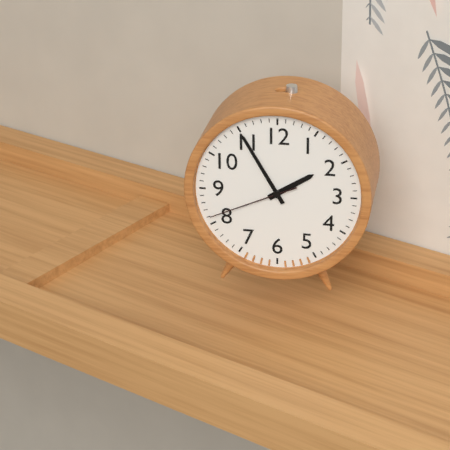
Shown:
1h55m41s
